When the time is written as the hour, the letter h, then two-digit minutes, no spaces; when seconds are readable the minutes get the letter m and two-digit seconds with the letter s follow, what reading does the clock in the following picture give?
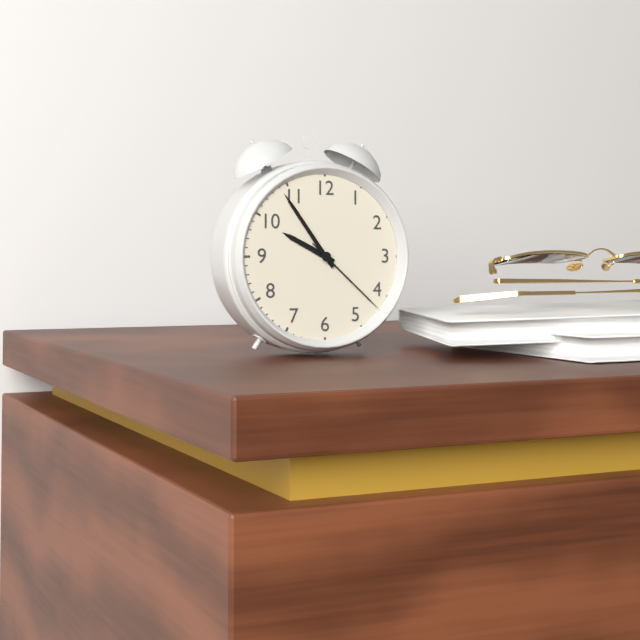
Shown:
9h54m22s
